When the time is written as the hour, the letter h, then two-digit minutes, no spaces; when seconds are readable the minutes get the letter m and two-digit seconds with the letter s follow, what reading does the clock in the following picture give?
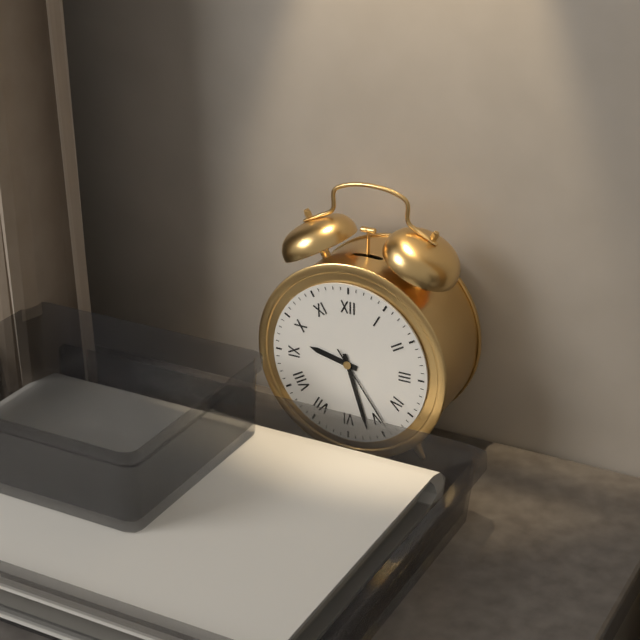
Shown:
9h27m24s
